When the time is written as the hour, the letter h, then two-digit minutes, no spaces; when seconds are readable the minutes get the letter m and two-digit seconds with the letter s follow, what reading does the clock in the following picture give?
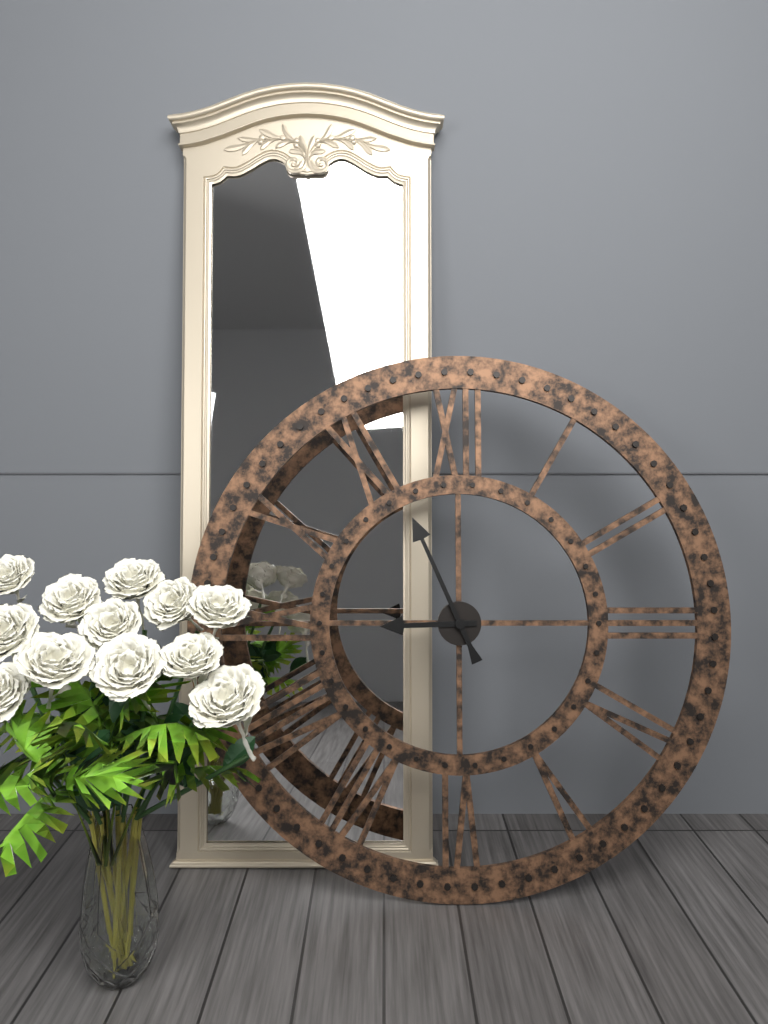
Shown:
8h56
